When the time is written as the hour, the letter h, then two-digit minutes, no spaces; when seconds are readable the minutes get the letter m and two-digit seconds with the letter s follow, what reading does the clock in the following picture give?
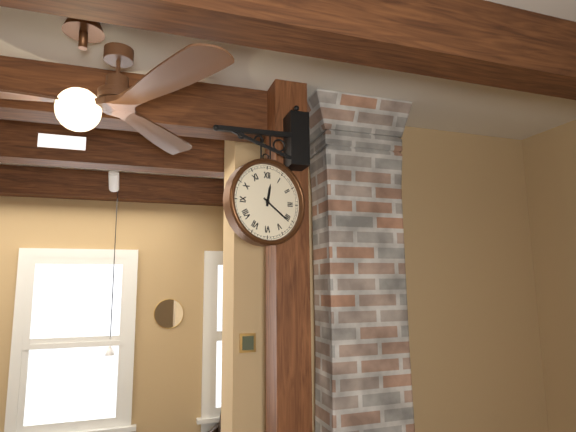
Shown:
12h21
